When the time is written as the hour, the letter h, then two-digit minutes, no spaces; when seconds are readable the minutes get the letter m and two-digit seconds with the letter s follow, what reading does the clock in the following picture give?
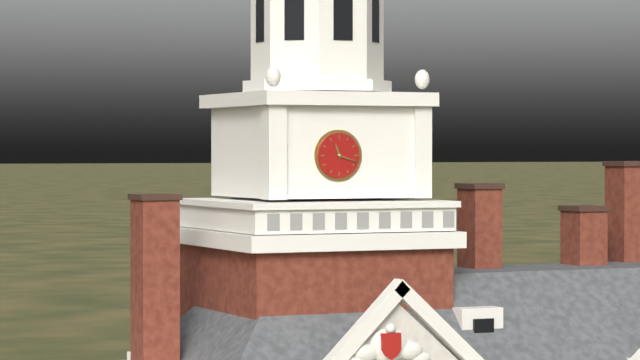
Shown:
11h18
